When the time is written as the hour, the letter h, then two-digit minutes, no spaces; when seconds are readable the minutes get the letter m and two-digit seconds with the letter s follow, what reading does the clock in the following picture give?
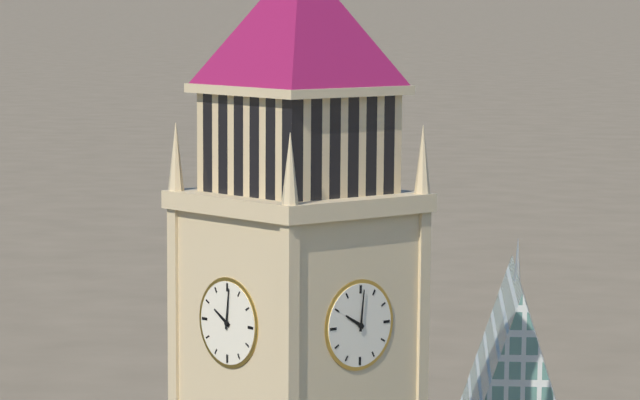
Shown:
10h01
